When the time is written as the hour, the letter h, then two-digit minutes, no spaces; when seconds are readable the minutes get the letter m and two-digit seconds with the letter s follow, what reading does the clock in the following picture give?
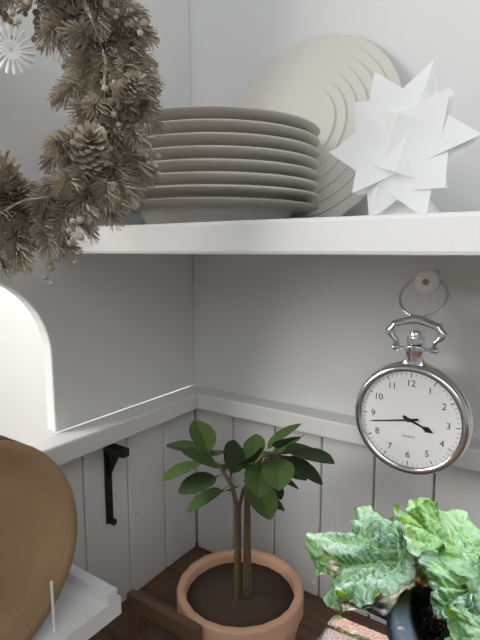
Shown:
3h43
